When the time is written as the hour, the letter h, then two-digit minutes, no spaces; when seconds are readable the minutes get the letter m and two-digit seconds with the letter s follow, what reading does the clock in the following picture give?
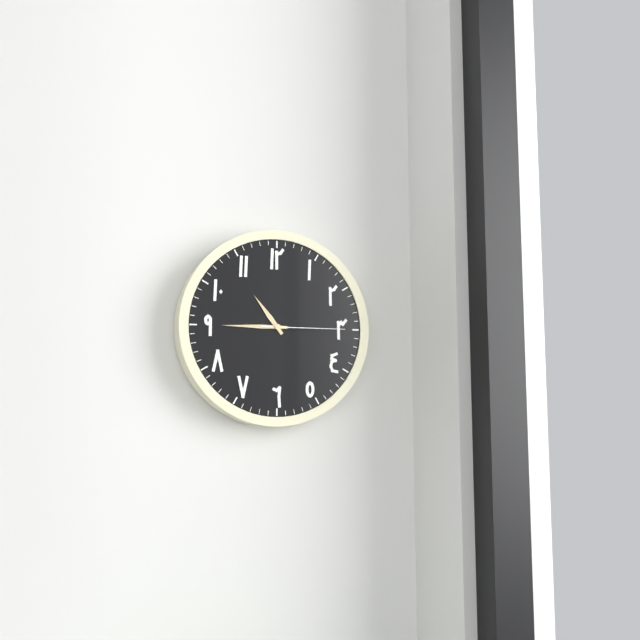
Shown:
10h45m15s
